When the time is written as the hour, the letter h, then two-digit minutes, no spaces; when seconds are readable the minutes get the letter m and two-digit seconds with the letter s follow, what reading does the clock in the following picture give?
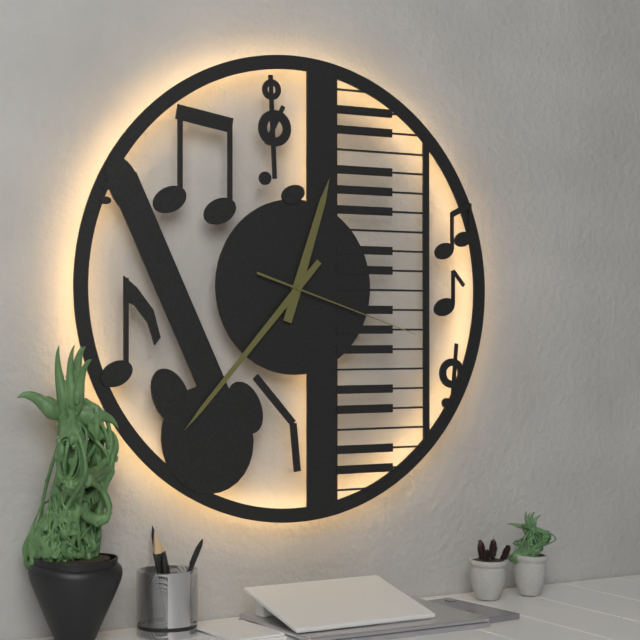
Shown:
12h37m18s
